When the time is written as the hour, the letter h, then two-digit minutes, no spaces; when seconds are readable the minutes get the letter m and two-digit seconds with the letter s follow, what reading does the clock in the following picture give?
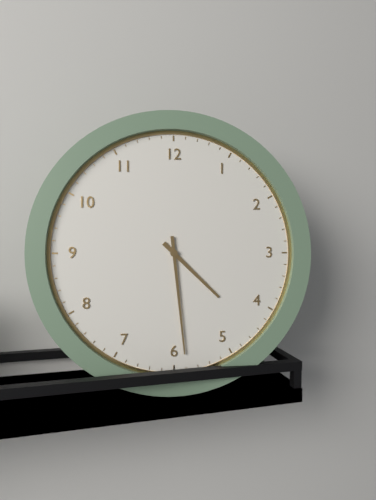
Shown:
4h29
